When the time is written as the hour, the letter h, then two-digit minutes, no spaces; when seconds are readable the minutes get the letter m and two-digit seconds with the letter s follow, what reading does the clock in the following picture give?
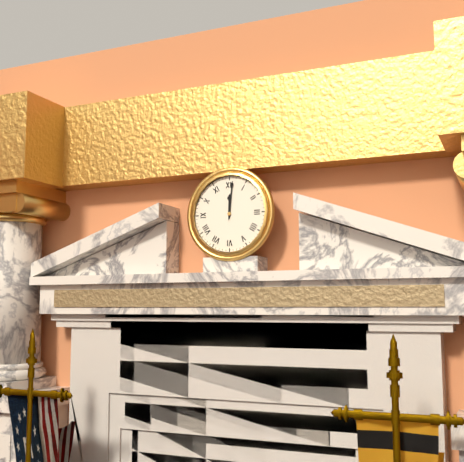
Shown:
12h01
